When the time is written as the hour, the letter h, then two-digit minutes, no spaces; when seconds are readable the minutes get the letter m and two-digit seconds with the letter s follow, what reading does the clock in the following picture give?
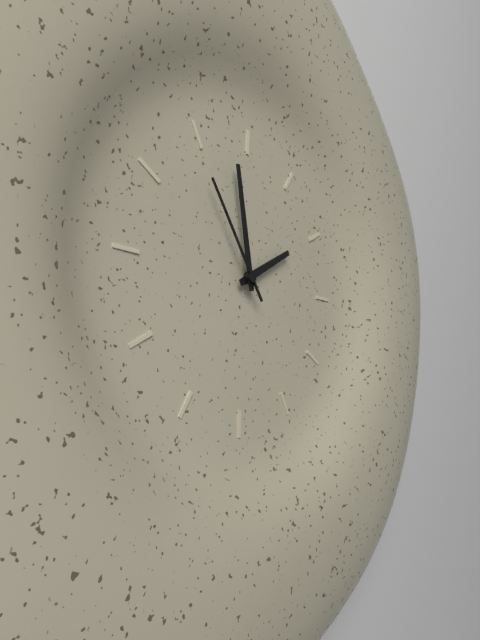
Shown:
1h58m54s
